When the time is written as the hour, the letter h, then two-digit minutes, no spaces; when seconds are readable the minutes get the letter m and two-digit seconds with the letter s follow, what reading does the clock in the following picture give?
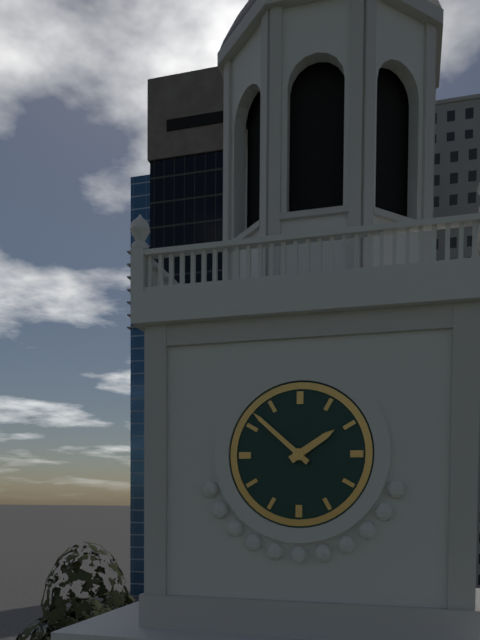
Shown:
1h52
